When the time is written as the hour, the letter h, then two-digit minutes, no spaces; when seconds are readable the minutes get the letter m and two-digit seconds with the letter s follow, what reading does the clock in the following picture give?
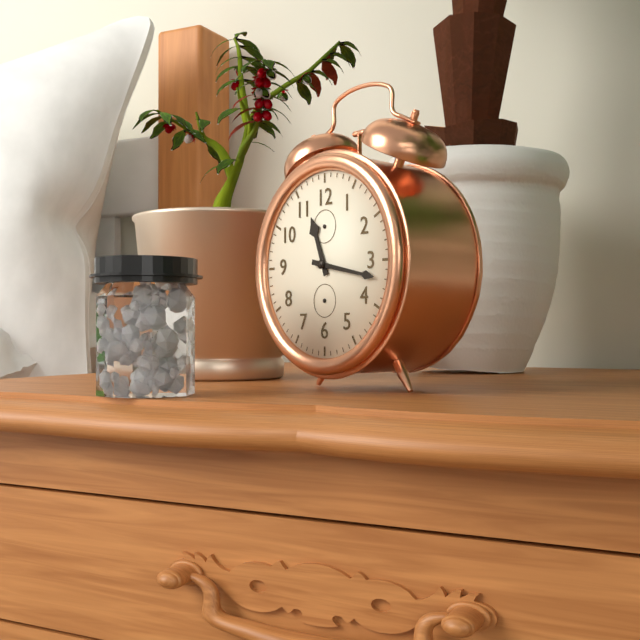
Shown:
11h17
